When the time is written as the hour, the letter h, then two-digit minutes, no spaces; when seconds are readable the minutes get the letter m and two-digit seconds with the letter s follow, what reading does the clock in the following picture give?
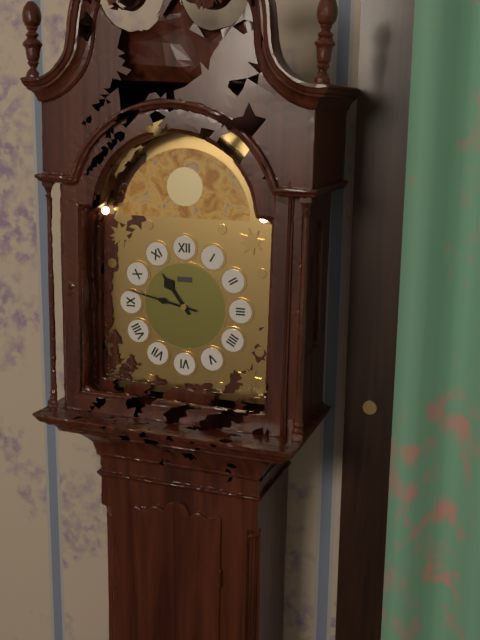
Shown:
10h47
